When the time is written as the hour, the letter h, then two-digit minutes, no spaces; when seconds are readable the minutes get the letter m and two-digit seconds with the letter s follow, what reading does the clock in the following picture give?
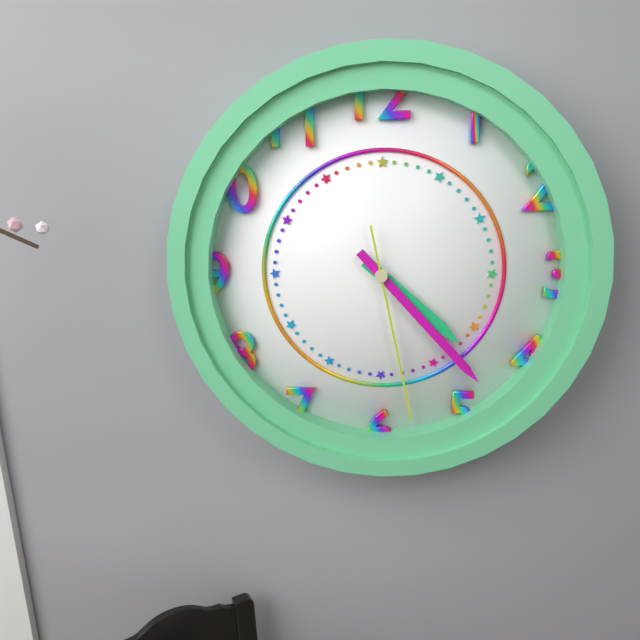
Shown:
4h23m28s
